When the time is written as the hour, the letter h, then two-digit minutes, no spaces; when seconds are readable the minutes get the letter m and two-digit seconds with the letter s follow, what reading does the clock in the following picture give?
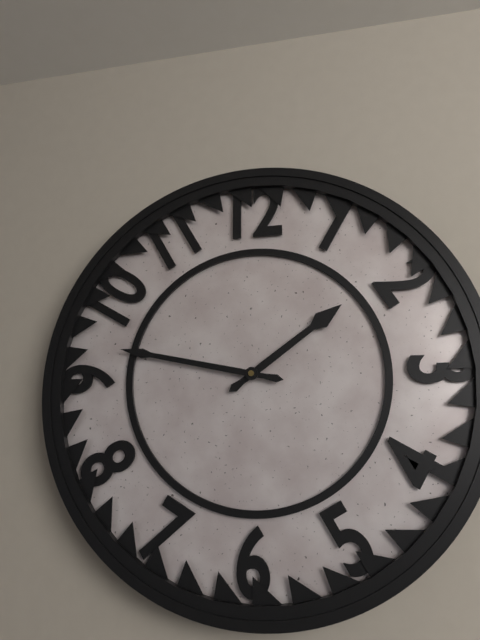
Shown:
1h47
